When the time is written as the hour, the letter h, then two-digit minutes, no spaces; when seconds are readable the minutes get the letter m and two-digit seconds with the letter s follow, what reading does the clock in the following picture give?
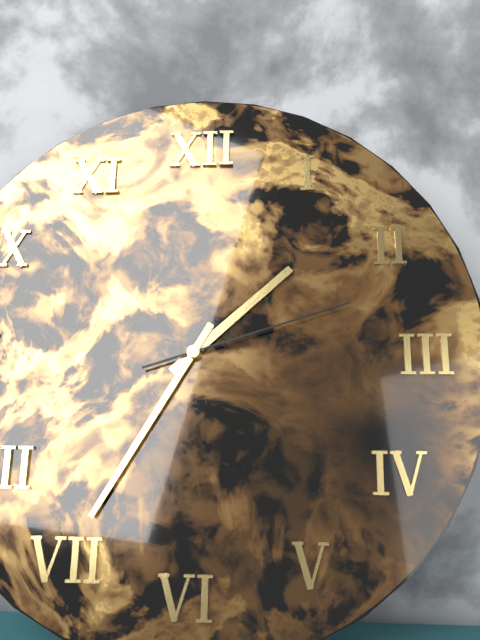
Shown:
1h35m12s
